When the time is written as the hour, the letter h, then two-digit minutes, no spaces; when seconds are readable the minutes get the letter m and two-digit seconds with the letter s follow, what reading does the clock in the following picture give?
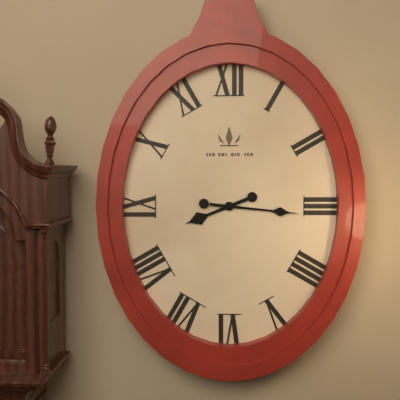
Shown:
8h16
